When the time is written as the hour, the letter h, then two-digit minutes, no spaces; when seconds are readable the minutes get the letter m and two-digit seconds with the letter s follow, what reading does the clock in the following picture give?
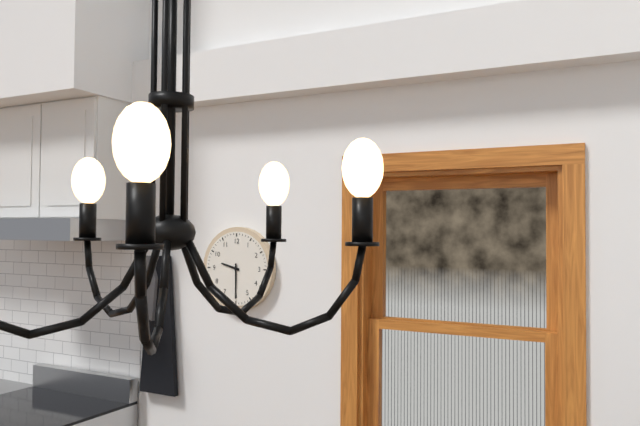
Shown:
9h30
